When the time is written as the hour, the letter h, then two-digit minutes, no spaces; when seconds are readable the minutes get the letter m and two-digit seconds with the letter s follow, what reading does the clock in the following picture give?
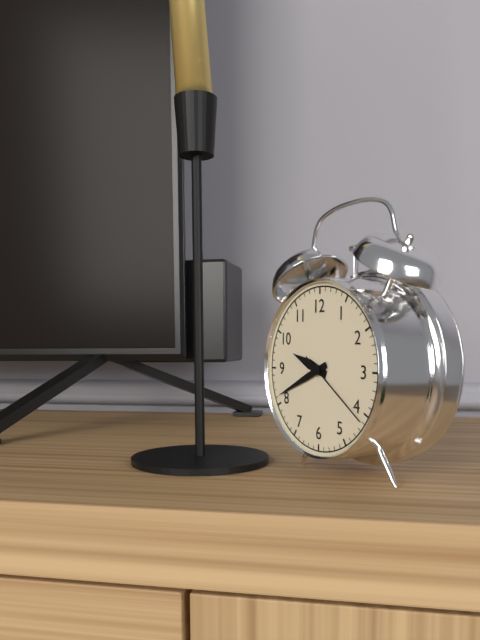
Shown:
9h41m21s
